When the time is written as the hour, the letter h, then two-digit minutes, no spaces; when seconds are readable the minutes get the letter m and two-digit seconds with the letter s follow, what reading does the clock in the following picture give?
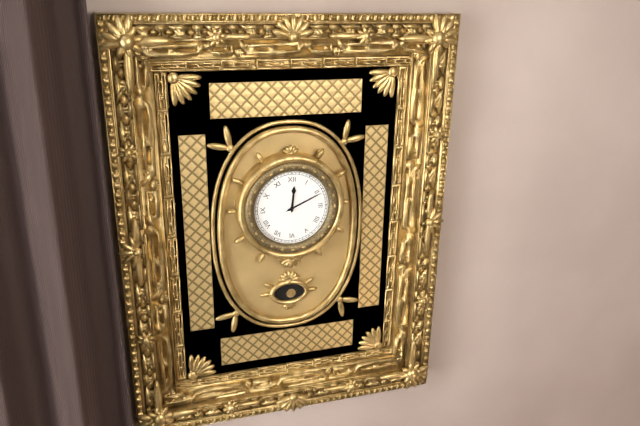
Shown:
12h11
